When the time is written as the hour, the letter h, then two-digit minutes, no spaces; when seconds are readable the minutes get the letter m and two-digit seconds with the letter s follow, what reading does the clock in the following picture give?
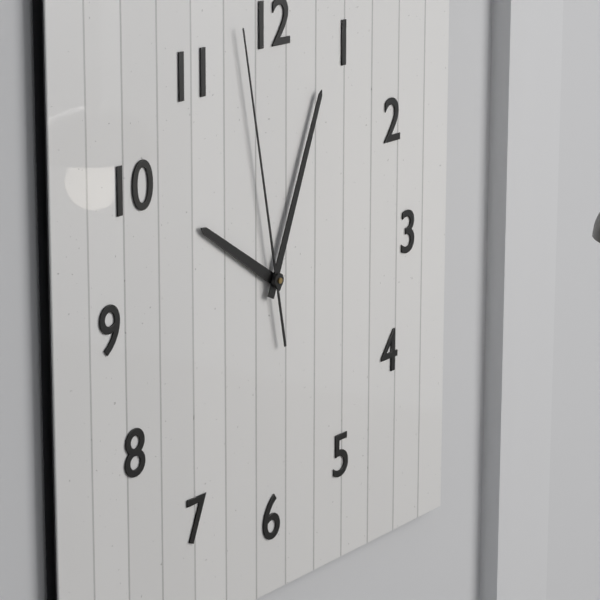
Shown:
10h04m58s
